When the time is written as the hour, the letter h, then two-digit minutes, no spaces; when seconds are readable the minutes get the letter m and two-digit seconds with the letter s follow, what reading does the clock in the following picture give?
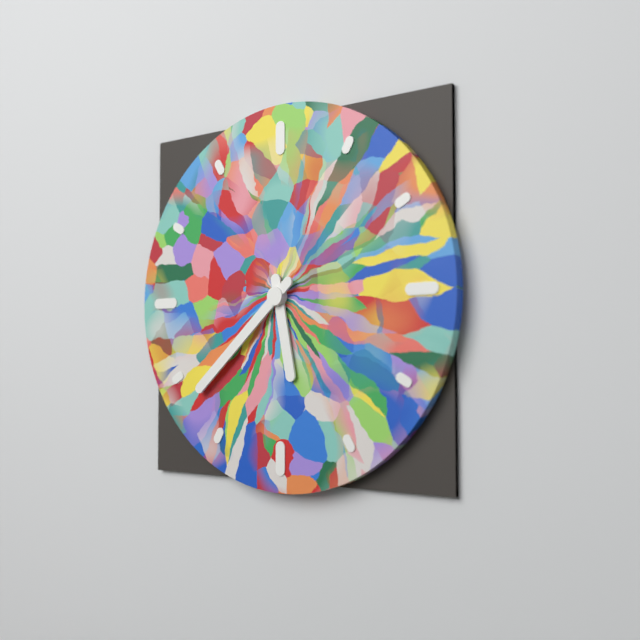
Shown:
5h38
